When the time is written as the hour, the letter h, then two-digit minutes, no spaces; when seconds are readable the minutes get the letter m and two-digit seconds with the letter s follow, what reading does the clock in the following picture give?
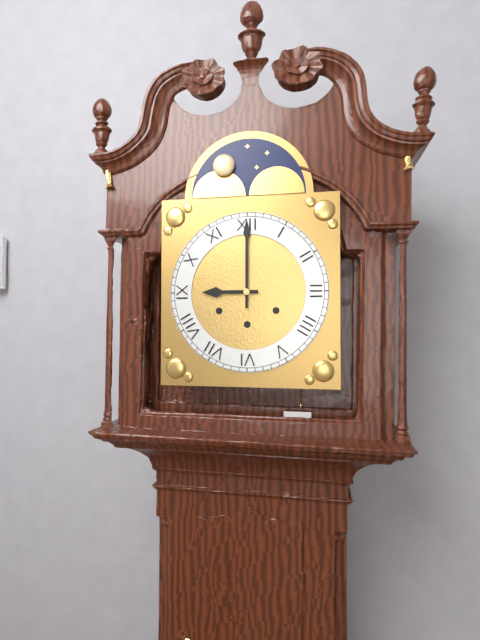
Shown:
9h00
